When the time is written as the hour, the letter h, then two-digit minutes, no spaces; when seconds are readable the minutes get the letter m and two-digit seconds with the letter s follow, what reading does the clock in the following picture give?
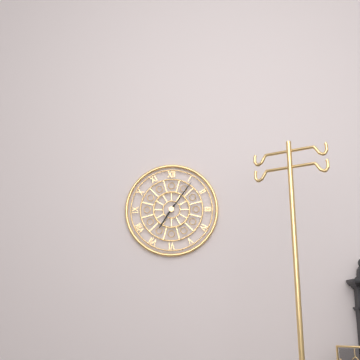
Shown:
7h06
